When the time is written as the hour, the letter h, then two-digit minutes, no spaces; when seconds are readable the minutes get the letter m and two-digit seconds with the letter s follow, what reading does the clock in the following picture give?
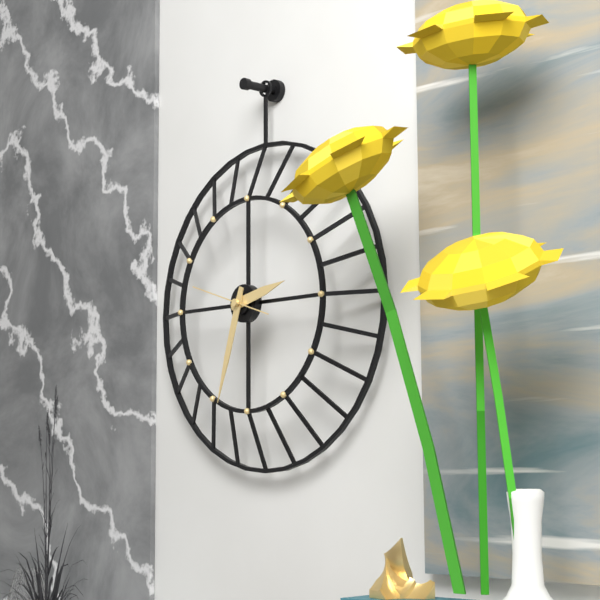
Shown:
2h33m48s
